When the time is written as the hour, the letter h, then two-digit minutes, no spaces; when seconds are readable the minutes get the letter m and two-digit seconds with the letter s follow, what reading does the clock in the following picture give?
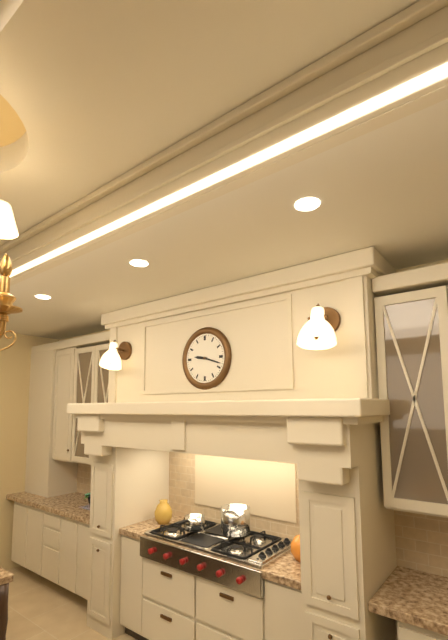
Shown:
9h18
